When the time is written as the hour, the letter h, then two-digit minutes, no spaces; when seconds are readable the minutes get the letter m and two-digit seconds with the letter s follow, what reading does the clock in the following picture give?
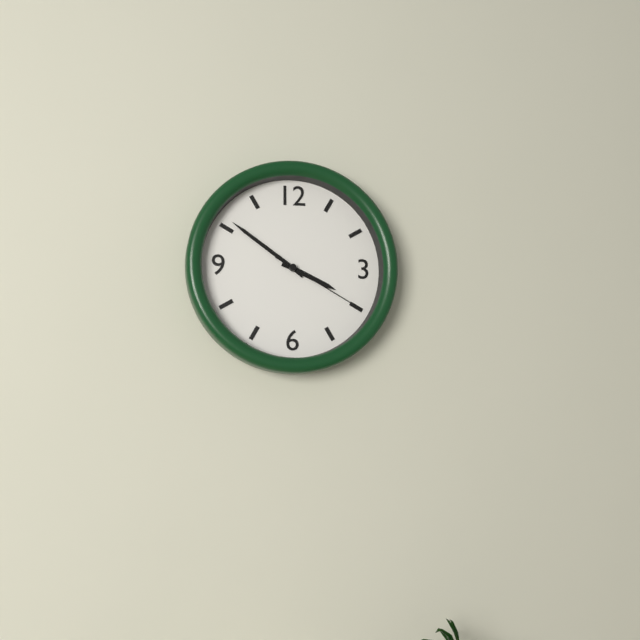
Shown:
3h51m20s
